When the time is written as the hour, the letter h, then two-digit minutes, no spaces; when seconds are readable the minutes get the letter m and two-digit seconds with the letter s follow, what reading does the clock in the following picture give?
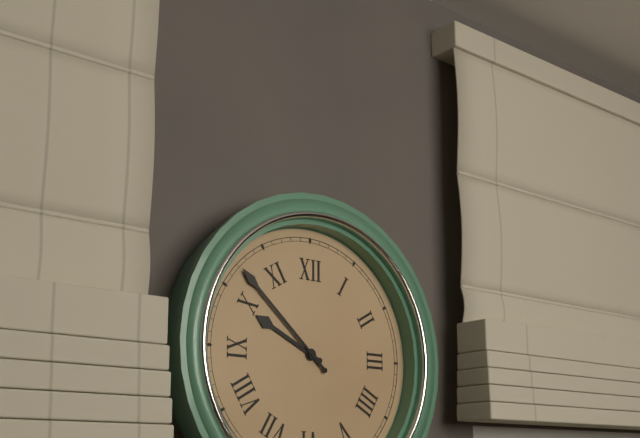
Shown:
9h52
